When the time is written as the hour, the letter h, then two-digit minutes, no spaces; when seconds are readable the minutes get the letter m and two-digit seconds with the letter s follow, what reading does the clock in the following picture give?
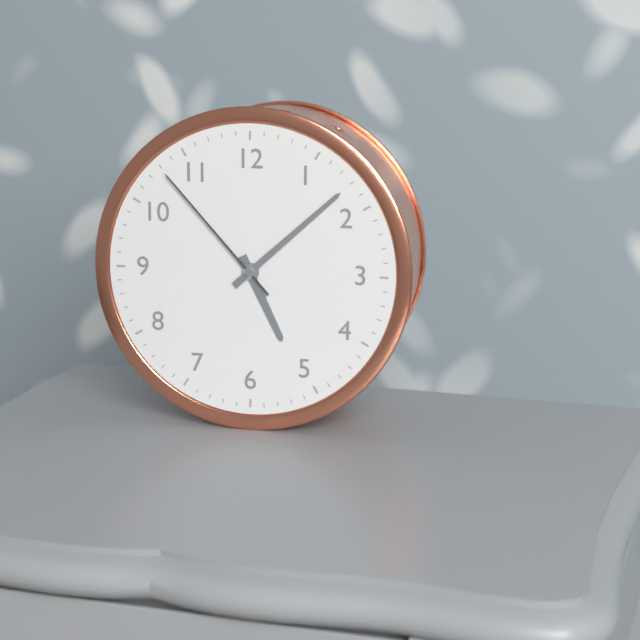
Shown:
5h08m53s
